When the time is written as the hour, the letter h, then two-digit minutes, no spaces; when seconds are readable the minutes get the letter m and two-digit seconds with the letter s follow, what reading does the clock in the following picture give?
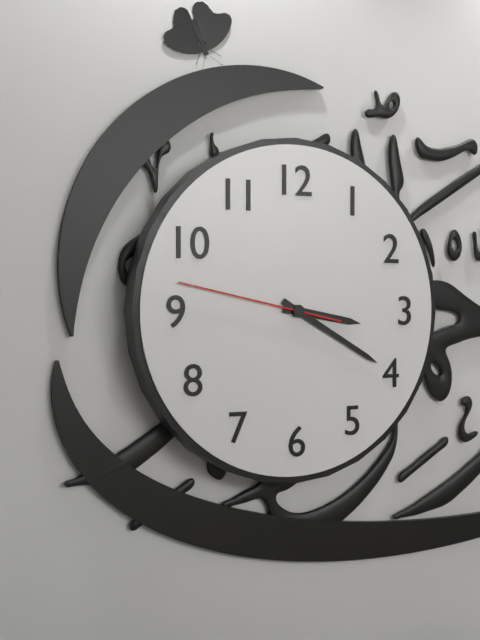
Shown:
3h20m47s
